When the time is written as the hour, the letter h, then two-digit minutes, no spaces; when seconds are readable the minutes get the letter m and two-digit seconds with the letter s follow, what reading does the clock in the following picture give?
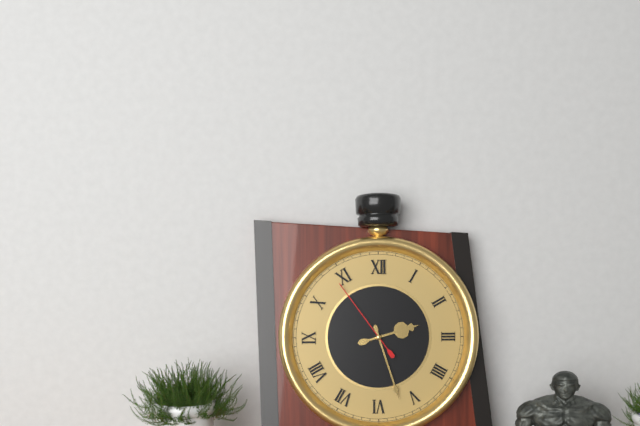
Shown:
2h27m54s
